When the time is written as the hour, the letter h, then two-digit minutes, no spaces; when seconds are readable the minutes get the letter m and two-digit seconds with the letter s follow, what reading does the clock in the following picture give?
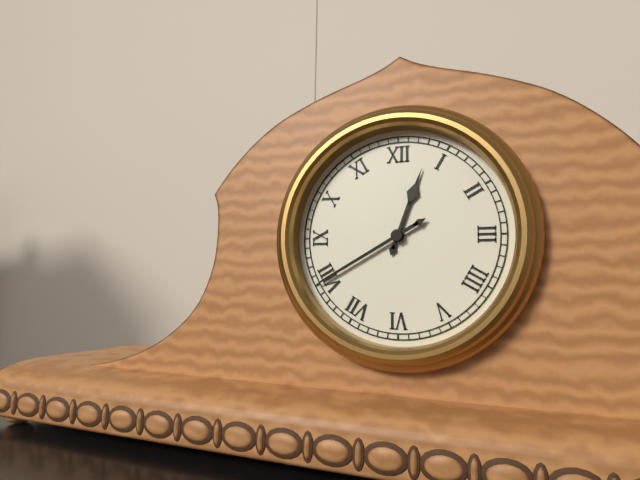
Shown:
12h40
